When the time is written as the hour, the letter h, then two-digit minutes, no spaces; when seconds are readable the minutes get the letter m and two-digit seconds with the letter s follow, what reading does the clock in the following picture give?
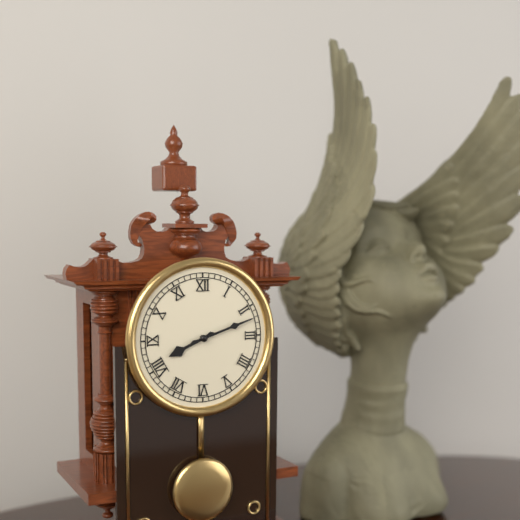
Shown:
8h12
